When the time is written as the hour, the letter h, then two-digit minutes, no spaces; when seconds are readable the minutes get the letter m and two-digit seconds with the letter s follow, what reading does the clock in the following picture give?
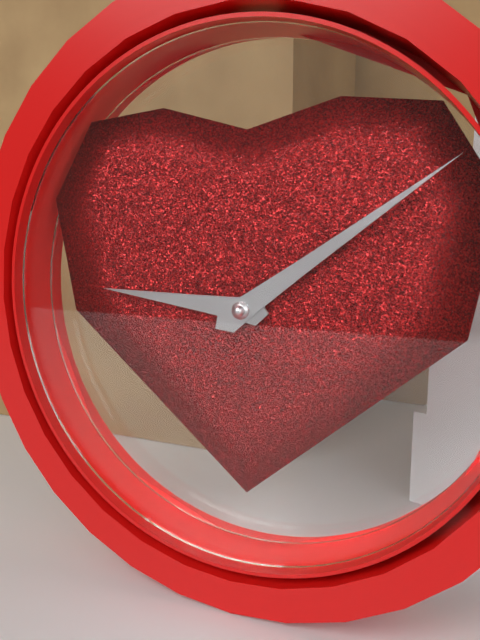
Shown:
9h09
